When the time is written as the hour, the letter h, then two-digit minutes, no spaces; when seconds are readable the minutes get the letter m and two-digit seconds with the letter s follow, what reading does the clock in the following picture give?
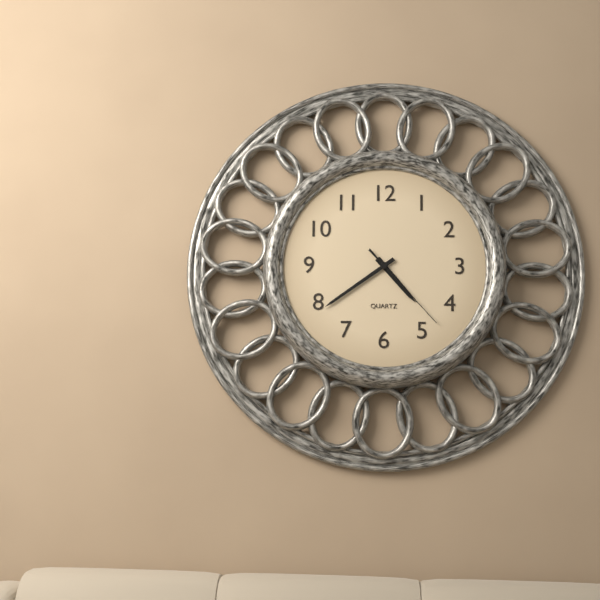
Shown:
4h39m23s
